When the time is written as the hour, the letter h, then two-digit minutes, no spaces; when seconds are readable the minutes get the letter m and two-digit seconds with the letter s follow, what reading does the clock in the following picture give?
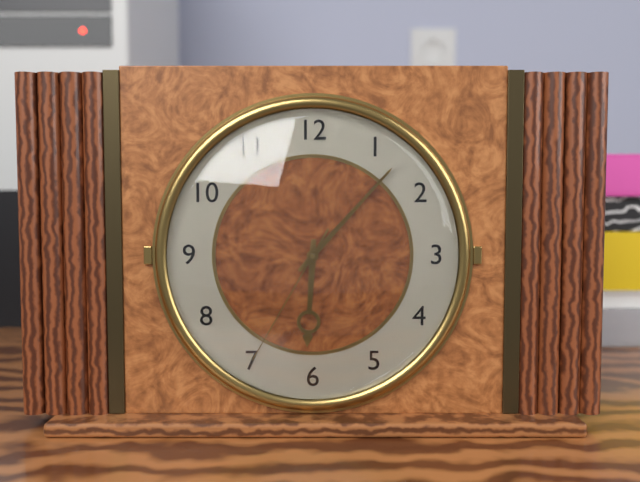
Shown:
6h07m35s
